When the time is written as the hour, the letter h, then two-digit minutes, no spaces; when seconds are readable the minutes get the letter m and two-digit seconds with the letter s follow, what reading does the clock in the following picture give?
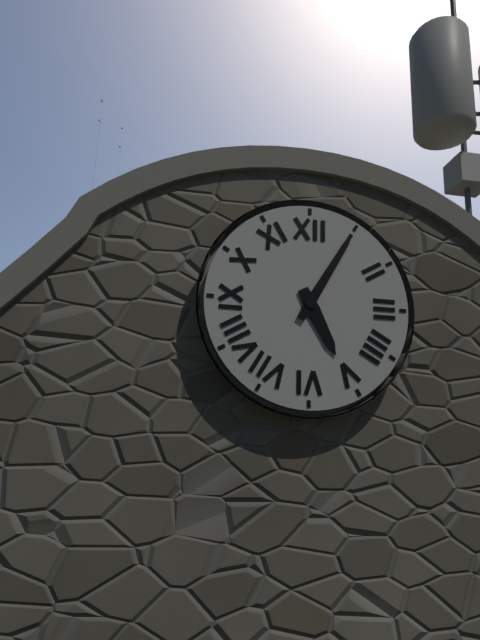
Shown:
5h05
